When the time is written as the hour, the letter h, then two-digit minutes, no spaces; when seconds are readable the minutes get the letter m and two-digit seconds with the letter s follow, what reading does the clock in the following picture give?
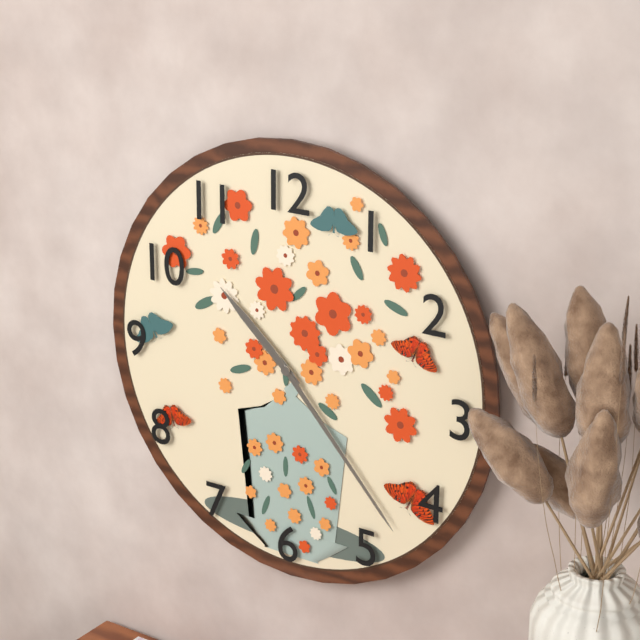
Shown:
10h23
